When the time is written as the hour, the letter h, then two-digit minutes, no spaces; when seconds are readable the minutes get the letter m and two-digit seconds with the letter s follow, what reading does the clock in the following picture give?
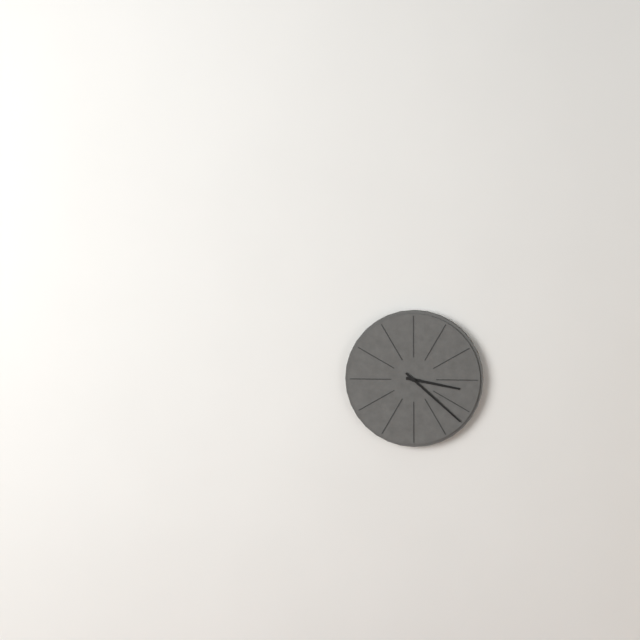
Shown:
3h22
